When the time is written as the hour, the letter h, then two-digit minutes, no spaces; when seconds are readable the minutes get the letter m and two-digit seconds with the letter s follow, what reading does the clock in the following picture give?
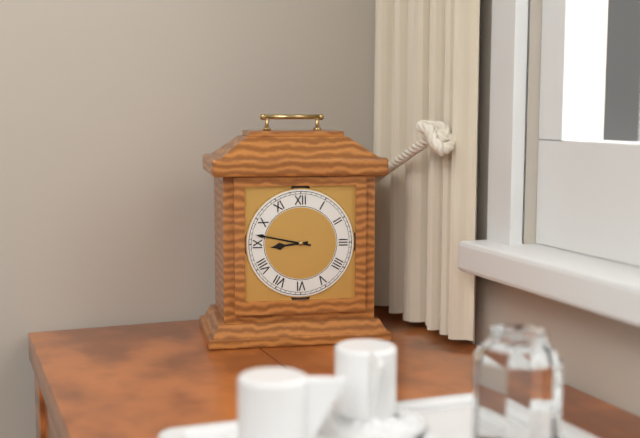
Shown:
8h47
